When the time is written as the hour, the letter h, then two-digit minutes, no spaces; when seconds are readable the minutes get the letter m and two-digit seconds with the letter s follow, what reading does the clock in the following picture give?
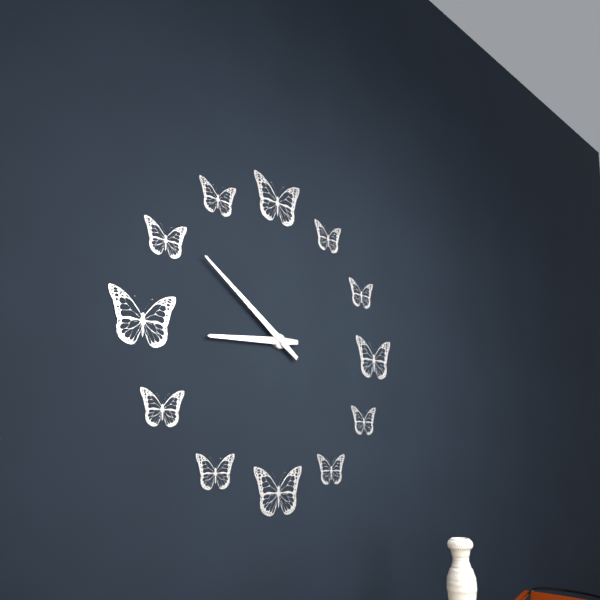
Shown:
8h51
